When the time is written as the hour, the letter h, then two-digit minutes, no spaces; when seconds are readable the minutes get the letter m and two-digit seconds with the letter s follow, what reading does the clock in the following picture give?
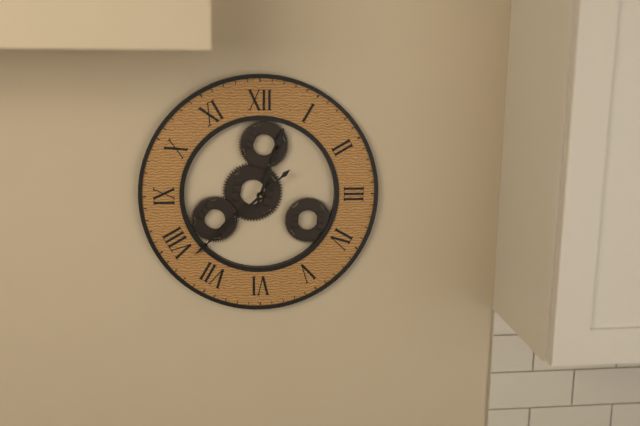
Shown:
12h38
